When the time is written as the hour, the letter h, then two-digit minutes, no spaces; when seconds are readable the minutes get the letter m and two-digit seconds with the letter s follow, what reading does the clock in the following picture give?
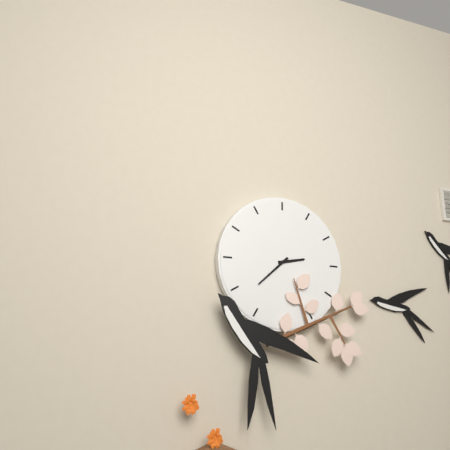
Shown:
2h38
